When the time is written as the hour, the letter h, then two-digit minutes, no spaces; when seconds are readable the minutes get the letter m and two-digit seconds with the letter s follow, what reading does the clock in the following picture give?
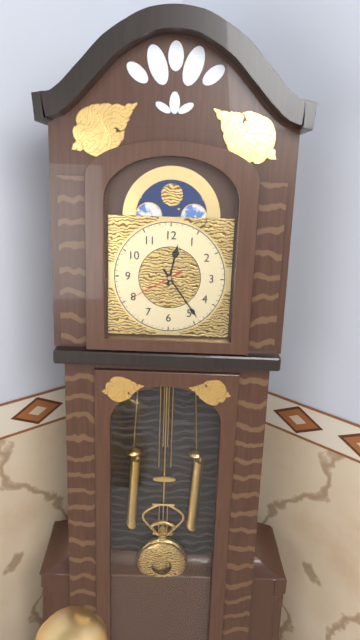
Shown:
12h24m40s
